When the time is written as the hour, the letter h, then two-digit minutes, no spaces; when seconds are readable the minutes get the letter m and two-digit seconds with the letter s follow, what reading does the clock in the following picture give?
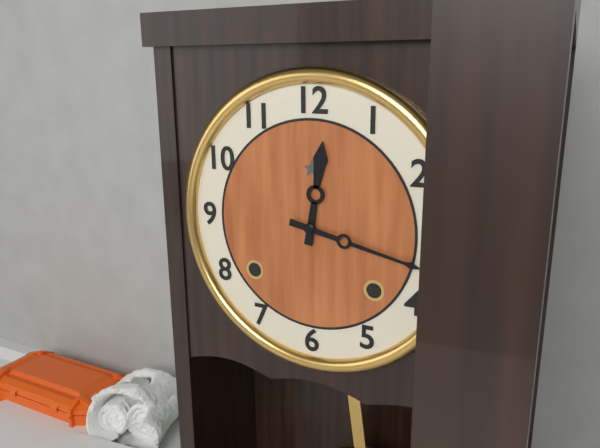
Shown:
12h17
